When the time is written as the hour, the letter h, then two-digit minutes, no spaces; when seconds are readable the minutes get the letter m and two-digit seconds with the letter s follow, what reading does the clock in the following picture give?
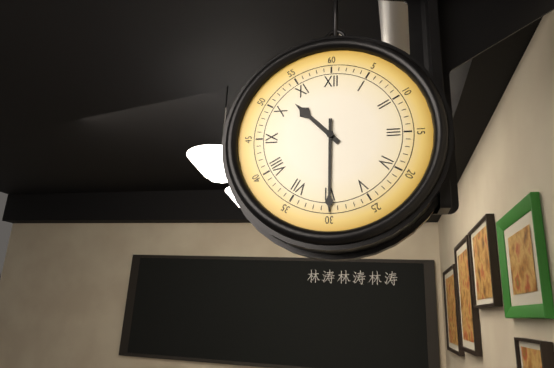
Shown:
10h30
